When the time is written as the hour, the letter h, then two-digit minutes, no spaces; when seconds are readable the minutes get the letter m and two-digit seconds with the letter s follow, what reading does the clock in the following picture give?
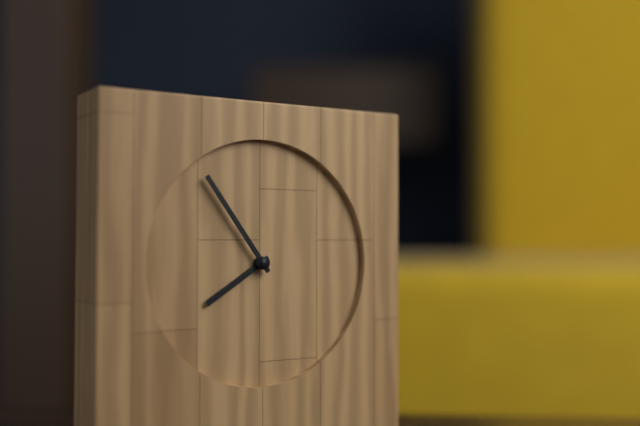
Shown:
7h54
